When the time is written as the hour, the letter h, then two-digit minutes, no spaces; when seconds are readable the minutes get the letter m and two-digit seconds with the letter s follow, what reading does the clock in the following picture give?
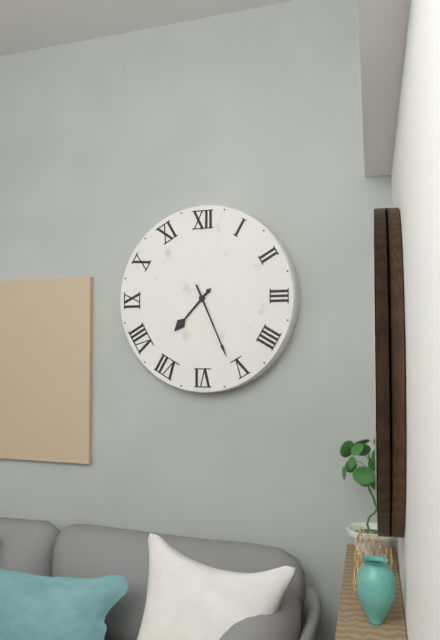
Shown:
7h26
